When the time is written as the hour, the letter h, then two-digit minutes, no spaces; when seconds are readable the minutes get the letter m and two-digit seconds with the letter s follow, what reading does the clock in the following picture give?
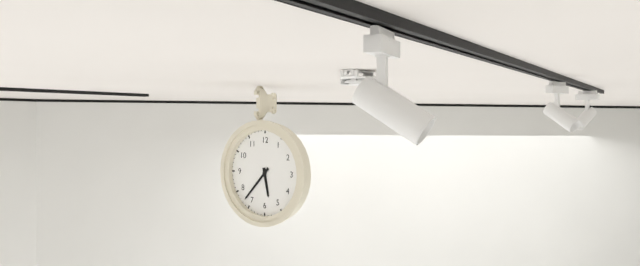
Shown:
5h37
